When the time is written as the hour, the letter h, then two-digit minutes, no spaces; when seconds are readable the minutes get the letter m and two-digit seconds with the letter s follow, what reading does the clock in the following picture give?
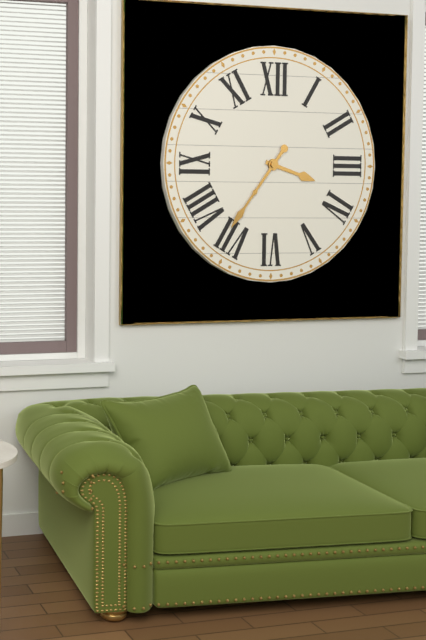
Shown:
3h36
